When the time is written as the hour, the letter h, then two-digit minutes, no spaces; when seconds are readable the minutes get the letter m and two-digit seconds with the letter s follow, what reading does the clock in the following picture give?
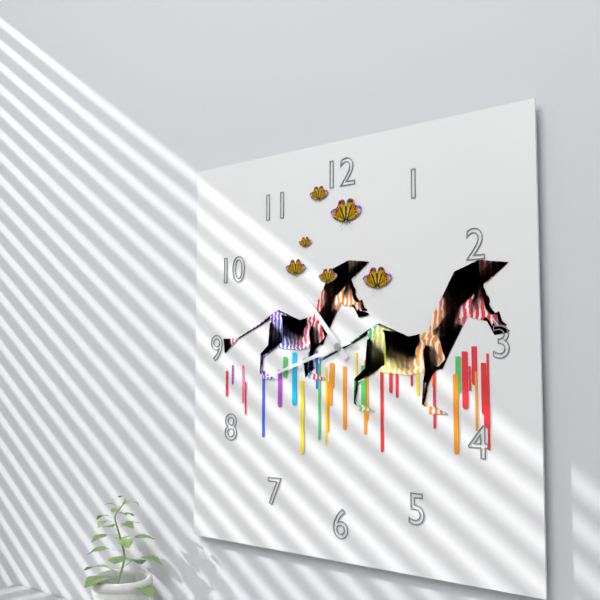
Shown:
10h42
